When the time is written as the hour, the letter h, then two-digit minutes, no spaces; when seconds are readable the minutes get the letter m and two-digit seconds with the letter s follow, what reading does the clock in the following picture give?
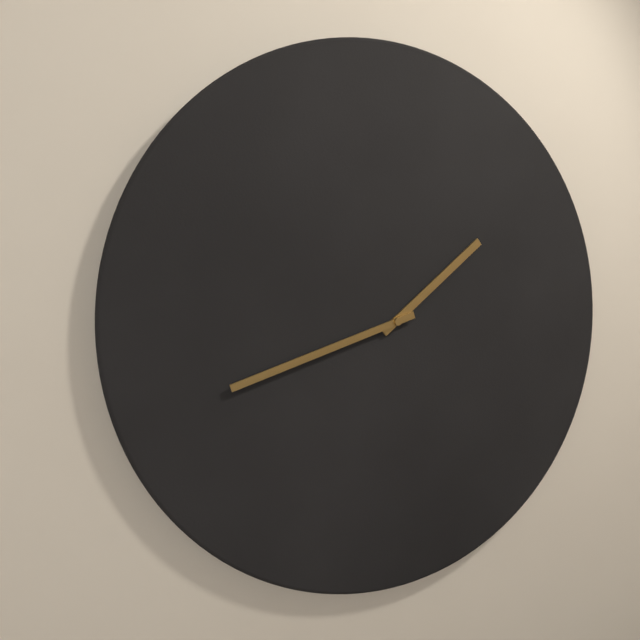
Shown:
1h42
